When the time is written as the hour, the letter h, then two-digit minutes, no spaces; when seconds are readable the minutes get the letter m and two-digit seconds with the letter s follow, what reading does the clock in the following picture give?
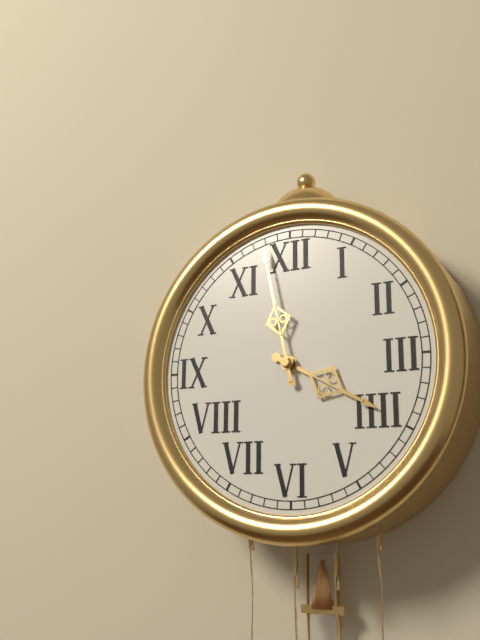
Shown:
3h58
